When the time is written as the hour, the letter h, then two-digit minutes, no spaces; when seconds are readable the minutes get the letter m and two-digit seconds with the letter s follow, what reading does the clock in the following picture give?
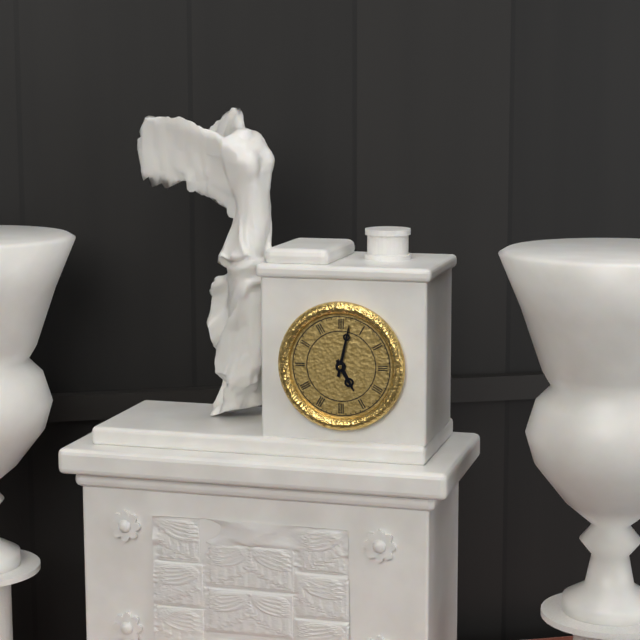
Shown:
5h02
